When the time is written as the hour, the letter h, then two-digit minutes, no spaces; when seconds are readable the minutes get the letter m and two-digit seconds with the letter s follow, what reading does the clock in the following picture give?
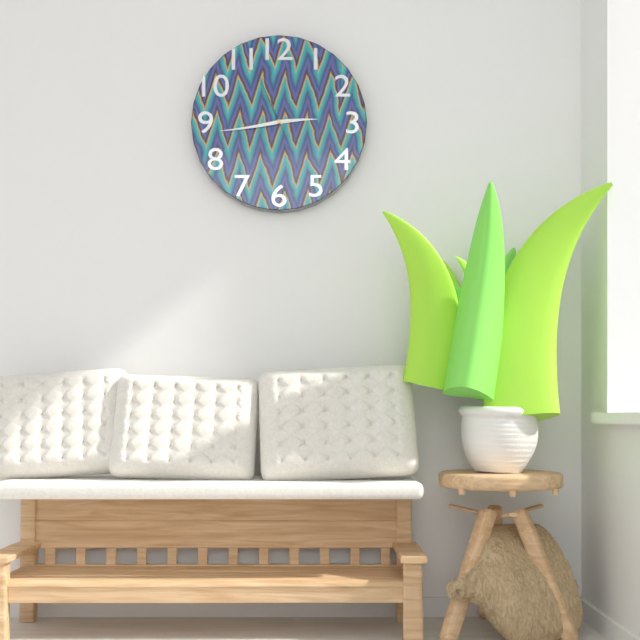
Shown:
2h43m56s
